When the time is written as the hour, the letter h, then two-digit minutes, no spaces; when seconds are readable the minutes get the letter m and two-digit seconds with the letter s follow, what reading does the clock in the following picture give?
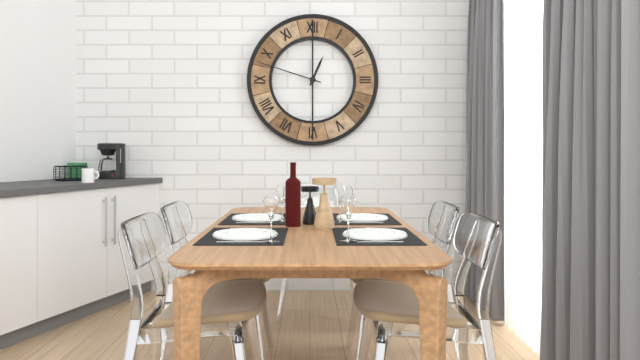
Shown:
12h48
